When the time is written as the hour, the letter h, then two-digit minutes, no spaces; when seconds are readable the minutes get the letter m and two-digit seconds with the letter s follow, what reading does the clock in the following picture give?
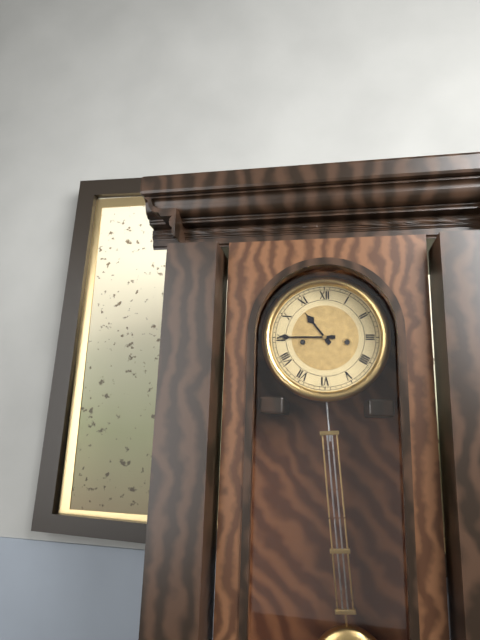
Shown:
10h45
